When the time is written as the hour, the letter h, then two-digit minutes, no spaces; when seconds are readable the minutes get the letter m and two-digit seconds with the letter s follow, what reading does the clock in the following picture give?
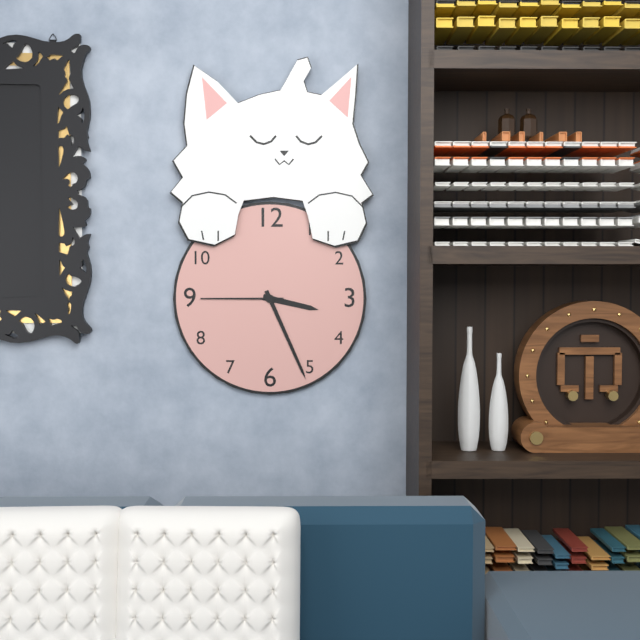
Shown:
3h26m45s
